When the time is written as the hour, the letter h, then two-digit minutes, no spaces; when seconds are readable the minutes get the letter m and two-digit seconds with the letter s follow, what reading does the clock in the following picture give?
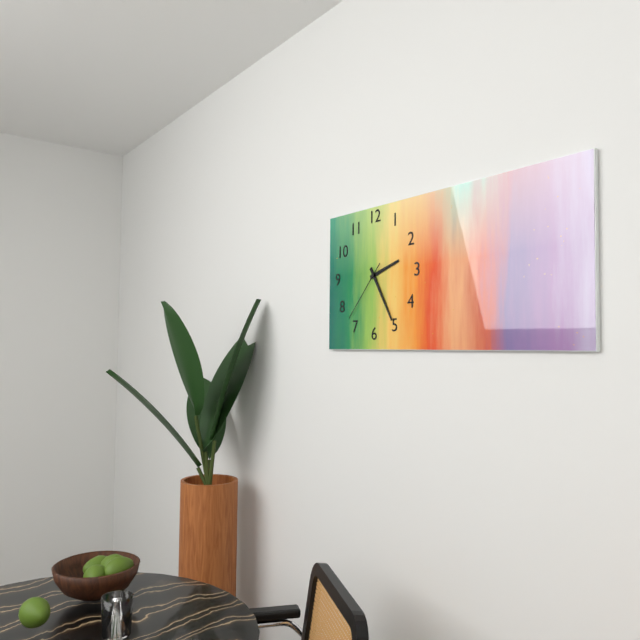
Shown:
2h25m37s
